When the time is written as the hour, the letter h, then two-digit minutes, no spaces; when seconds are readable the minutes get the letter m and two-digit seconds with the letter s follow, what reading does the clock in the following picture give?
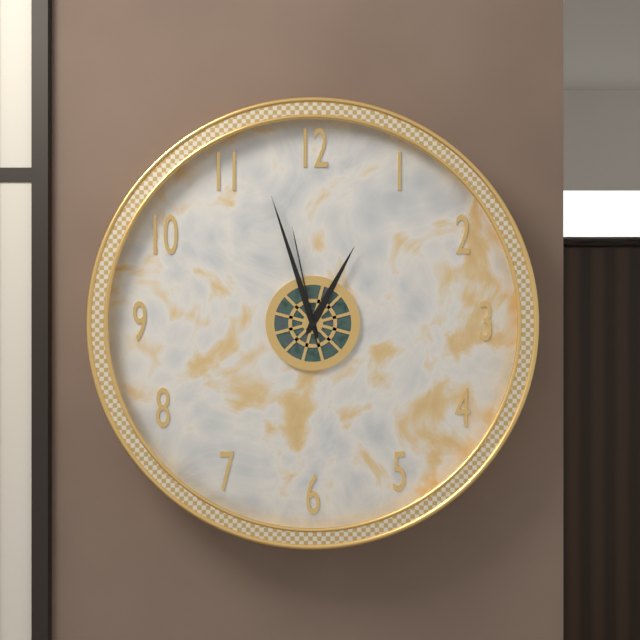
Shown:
12h57m58s
